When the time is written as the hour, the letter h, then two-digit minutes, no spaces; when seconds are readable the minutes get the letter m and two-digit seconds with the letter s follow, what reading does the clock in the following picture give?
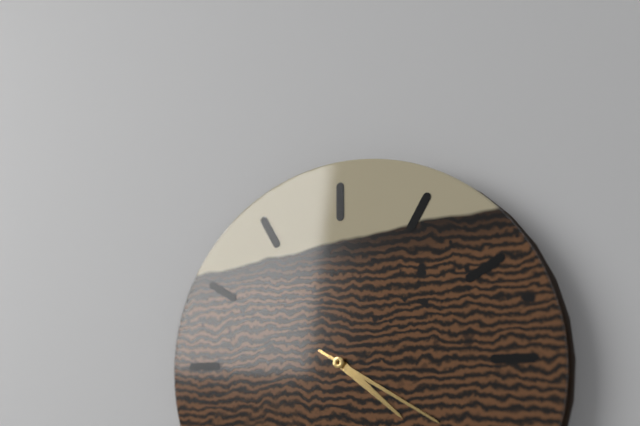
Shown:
4h20
